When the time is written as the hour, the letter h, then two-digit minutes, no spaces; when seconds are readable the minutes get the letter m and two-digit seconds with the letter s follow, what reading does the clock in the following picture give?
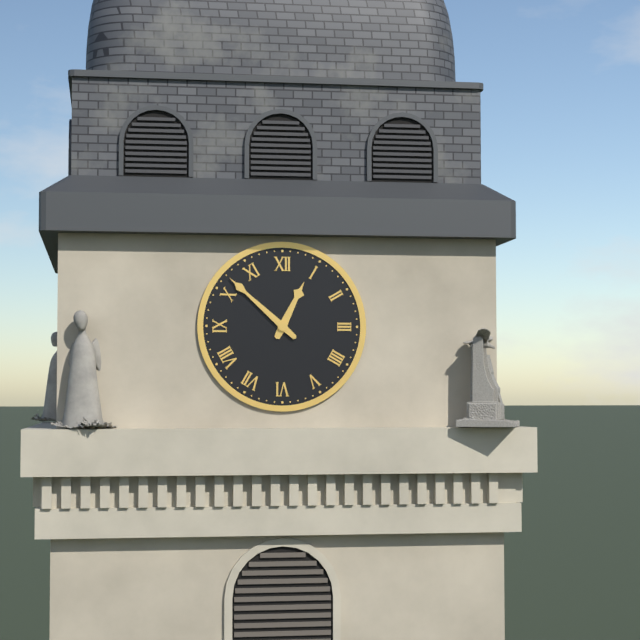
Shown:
12h52
